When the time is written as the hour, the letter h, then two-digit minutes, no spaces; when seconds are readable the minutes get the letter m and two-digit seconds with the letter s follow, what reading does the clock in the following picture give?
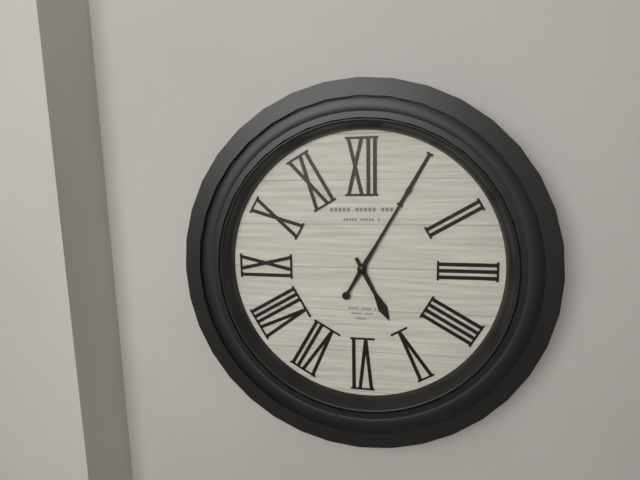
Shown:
5h05
